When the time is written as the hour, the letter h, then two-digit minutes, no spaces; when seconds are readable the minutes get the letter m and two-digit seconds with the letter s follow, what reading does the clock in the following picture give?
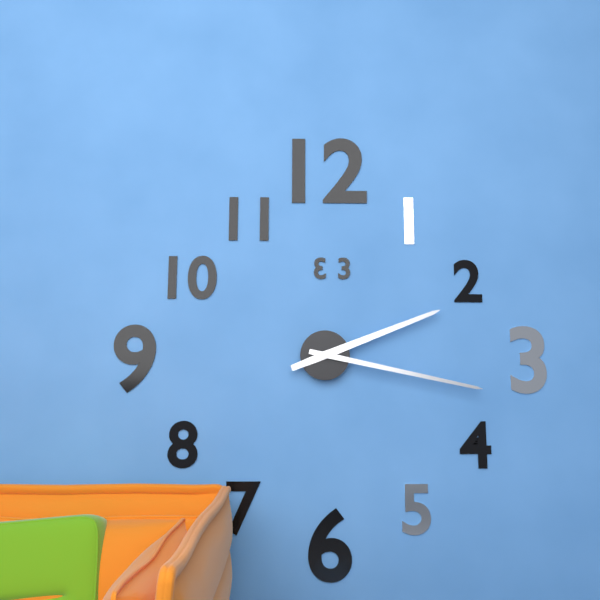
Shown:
2h17
